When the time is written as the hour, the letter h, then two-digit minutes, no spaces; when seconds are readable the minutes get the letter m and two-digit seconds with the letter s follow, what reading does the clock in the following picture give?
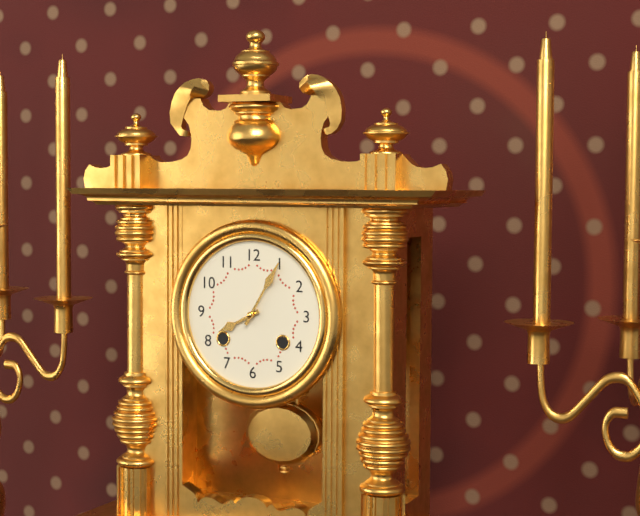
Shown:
8h05
